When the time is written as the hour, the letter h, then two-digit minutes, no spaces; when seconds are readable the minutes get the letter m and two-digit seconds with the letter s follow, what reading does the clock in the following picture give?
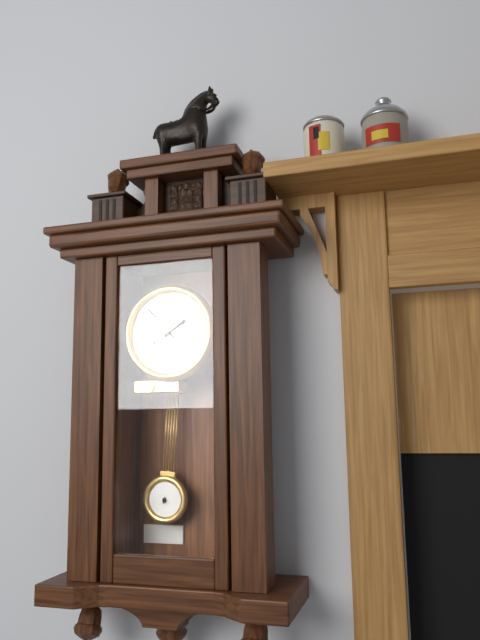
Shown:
1h53
